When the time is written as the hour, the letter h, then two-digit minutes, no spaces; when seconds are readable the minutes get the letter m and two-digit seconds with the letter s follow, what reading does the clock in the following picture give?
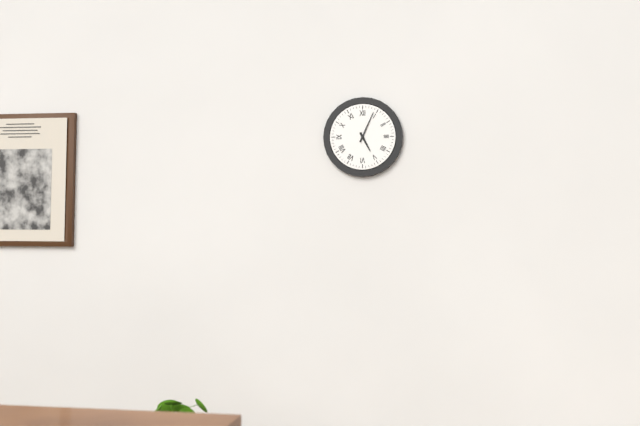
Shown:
5h04
